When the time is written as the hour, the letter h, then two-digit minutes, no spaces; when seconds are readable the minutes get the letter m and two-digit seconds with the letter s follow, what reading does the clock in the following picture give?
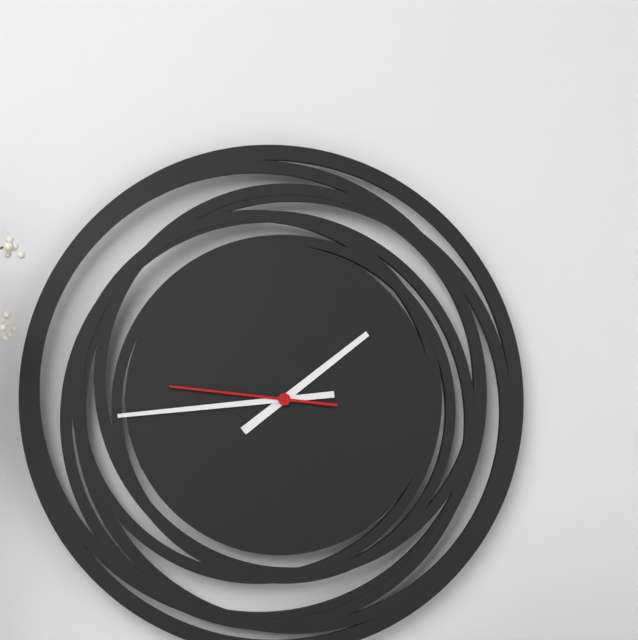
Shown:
1h44m46s
